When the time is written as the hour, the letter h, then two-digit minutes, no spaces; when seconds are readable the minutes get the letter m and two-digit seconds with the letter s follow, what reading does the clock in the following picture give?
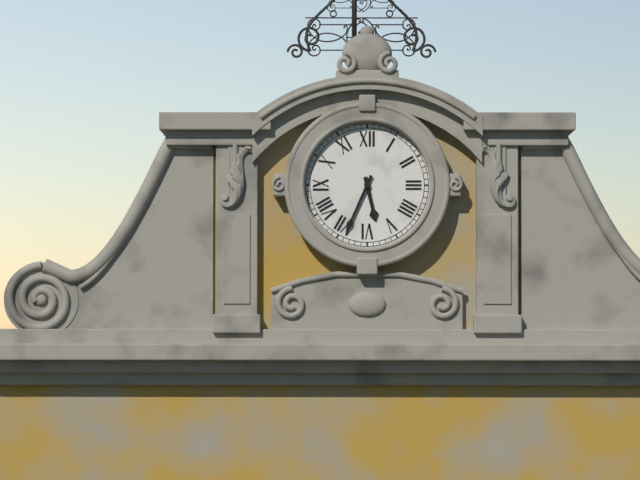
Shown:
5h34
